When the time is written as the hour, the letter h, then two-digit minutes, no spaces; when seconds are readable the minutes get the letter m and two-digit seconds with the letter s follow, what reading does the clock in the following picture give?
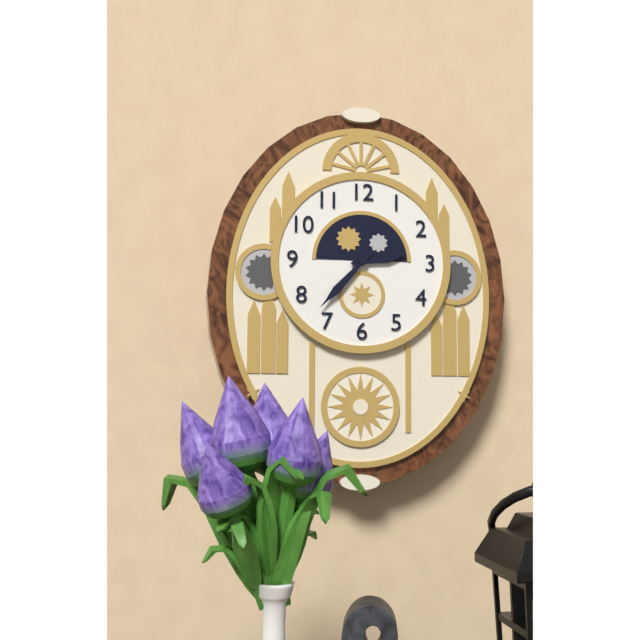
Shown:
2h37
